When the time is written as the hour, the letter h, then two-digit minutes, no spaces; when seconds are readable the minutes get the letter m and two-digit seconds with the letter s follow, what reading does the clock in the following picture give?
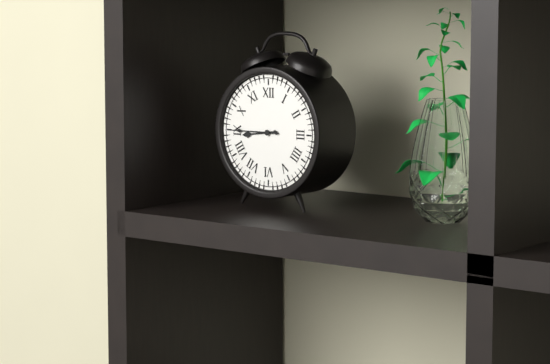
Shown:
8h45
